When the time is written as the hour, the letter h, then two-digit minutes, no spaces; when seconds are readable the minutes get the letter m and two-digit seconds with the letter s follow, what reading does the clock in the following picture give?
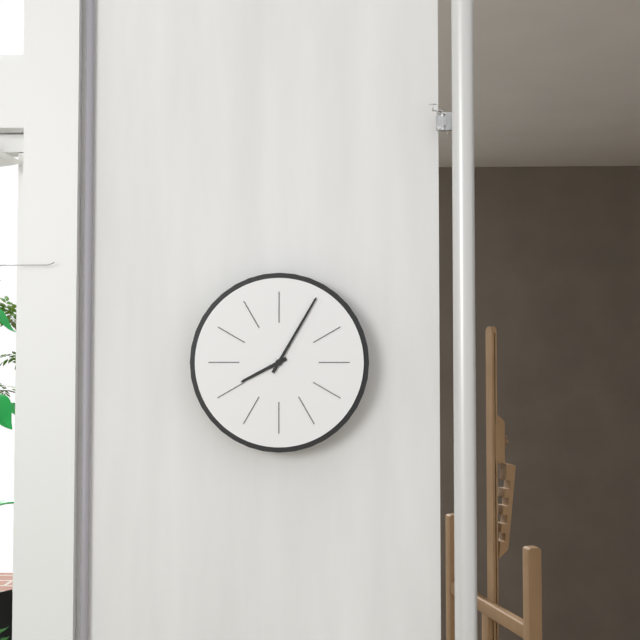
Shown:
8h05
